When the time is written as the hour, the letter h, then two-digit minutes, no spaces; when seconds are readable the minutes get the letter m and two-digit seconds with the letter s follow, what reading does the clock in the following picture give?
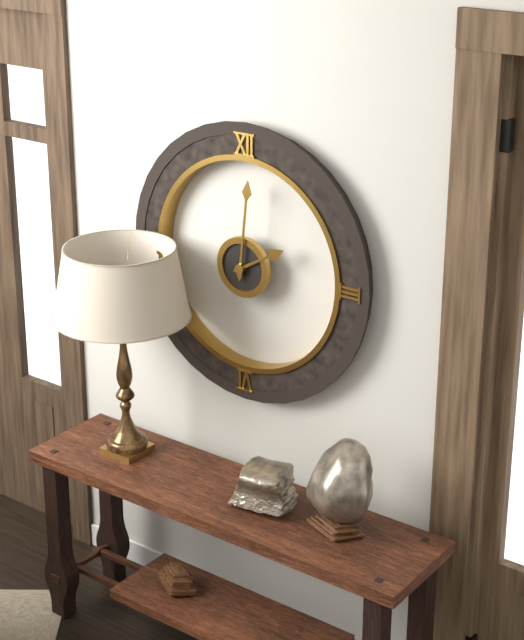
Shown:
2h01
